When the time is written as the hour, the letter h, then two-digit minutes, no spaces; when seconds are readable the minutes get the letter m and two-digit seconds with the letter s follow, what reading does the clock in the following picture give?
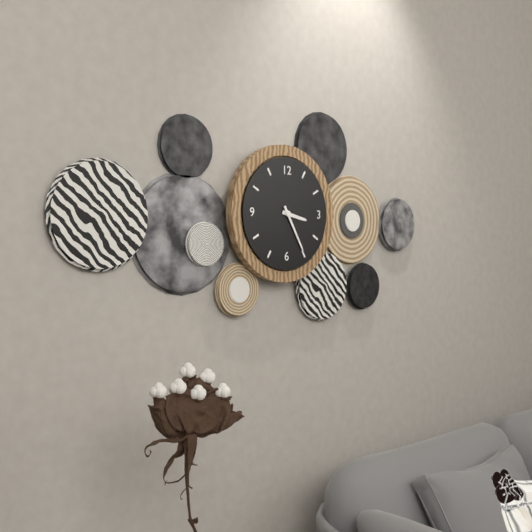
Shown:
3h25
